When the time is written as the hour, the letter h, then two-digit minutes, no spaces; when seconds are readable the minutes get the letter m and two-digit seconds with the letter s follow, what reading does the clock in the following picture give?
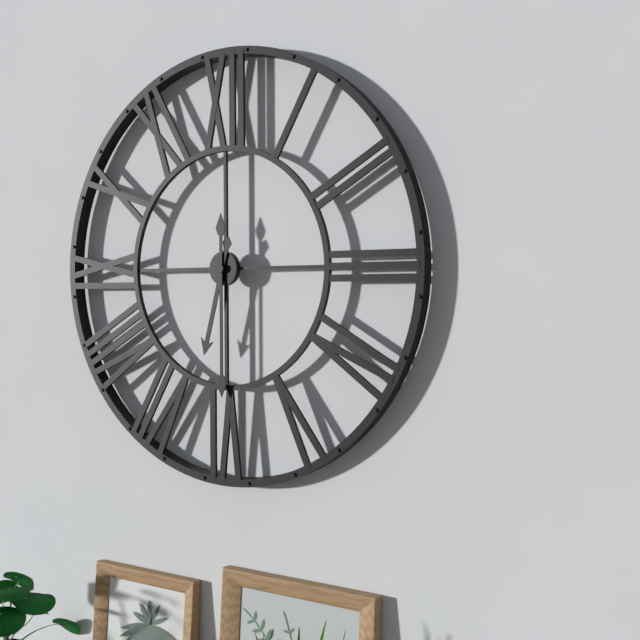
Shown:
6h30
